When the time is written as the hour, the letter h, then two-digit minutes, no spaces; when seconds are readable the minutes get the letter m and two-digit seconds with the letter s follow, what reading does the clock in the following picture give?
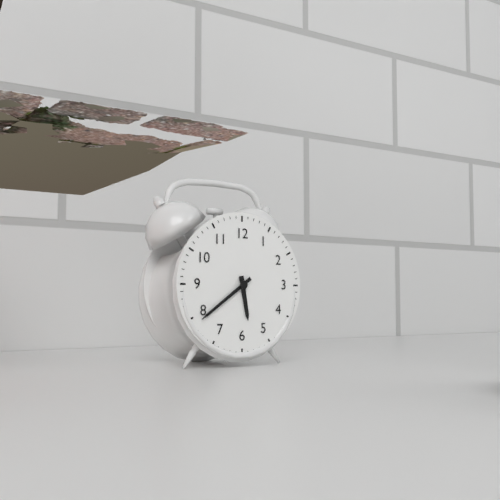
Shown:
5h39
